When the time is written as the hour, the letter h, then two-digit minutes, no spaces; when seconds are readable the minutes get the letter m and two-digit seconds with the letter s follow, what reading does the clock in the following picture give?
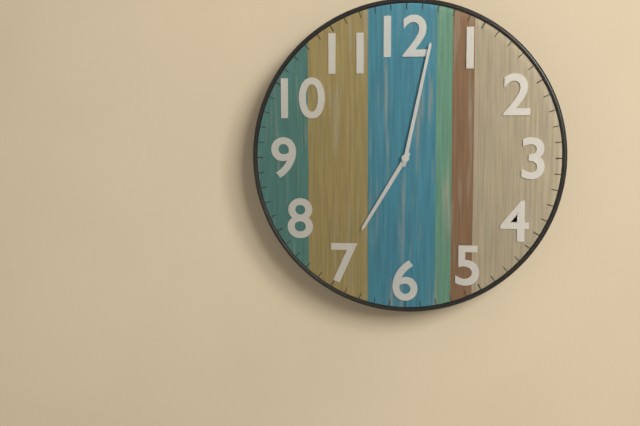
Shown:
7h02
